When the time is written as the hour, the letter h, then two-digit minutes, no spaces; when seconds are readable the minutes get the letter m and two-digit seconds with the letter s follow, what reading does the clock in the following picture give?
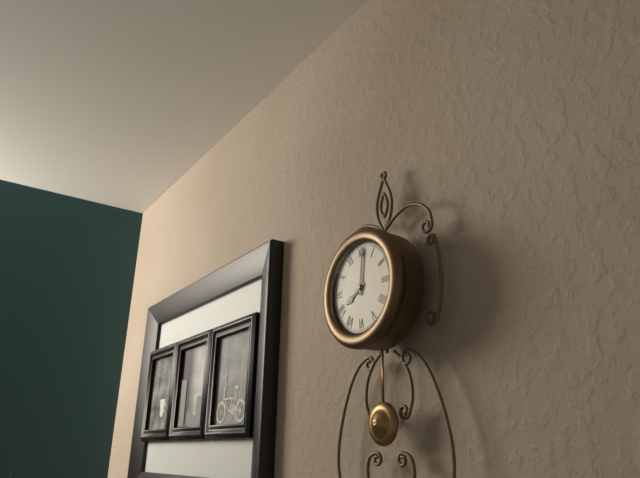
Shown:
8h01
